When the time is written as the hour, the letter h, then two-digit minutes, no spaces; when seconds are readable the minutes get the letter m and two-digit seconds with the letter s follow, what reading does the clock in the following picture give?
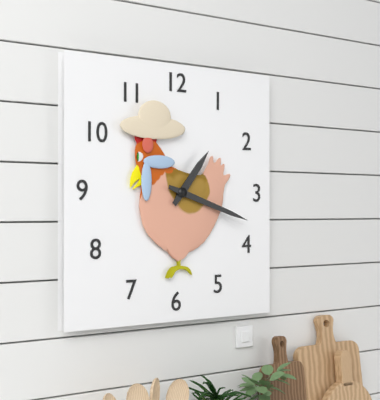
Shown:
1h18
